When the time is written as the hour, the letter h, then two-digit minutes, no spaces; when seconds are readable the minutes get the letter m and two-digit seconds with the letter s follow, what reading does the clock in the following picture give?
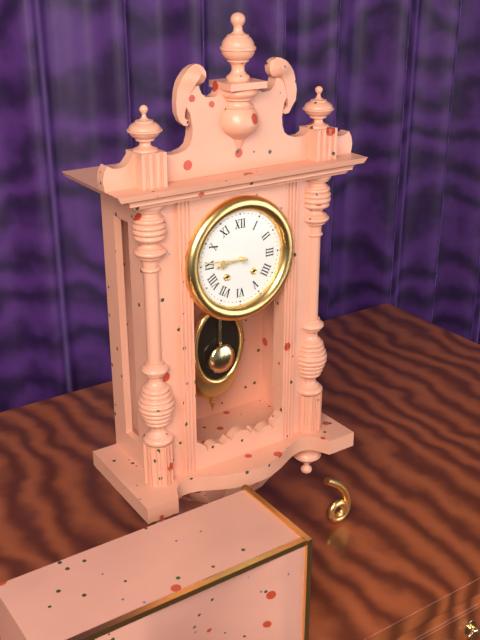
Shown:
8h46
